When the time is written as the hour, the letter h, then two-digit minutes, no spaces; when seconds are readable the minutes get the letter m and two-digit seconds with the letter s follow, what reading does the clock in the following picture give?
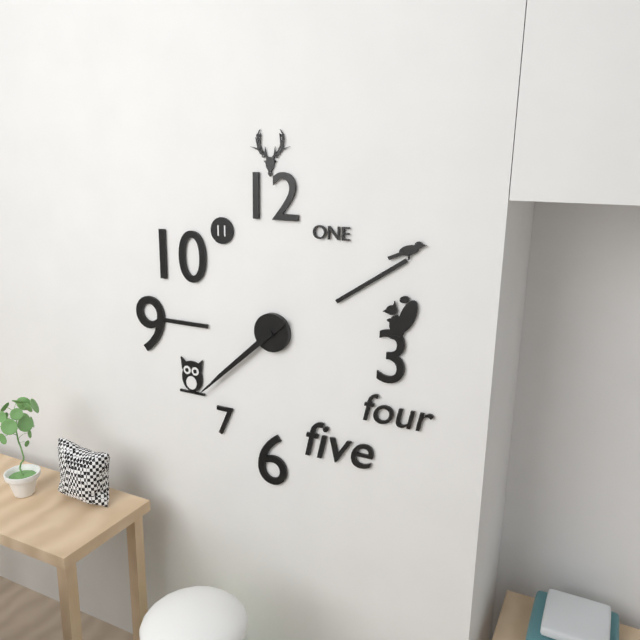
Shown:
7h38
